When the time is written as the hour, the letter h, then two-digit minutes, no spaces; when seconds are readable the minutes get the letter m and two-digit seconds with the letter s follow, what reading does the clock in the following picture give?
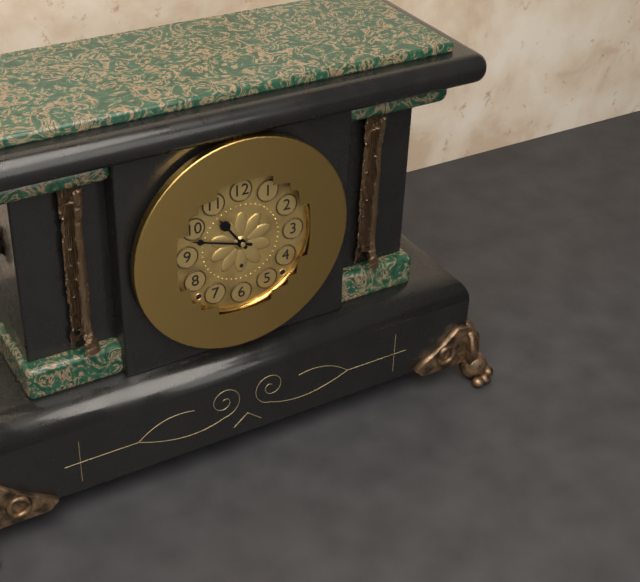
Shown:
10h48
